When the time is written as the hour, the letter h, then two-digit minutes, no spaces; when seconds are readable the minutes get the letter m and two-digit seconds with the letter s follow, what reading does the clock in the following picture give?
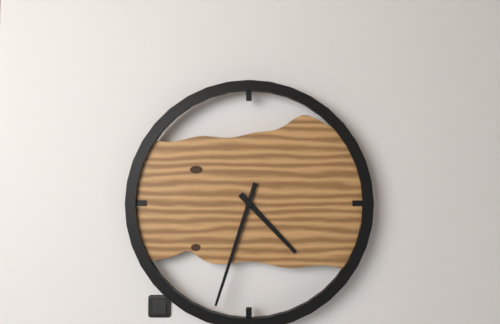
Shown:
4h33
